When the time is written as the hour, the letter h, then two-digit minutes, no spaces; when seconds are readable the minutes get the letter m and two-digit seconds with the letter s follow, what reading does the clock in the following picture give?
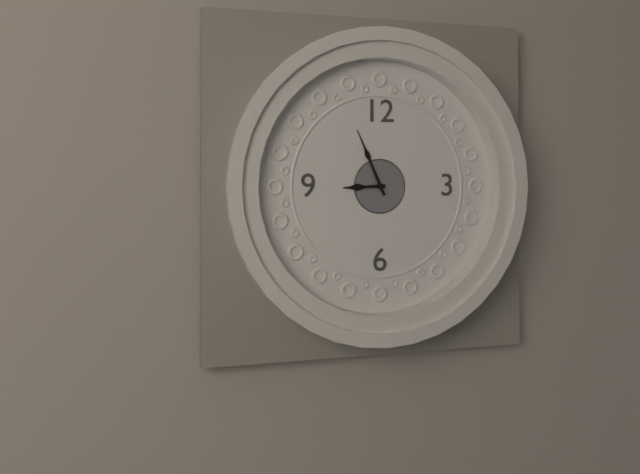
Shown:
8h56
